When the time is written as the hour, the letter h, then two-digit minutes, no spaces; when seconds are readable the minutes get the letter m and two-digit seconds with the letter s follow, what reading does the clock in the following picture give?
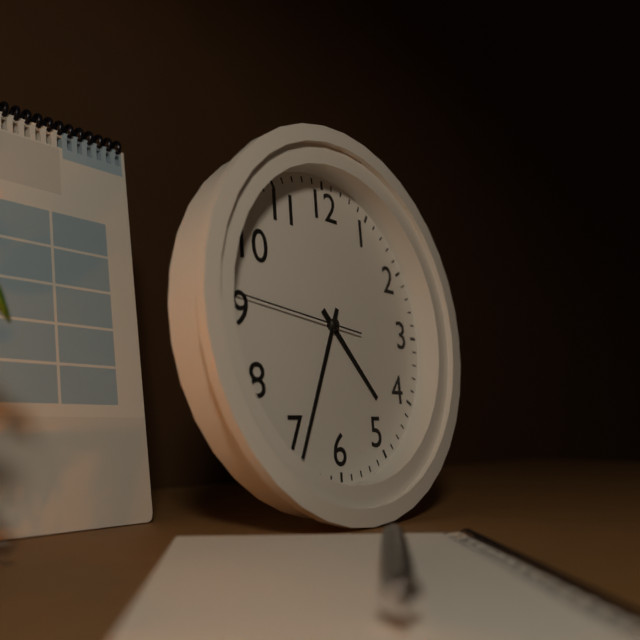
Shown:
4h34m46s
